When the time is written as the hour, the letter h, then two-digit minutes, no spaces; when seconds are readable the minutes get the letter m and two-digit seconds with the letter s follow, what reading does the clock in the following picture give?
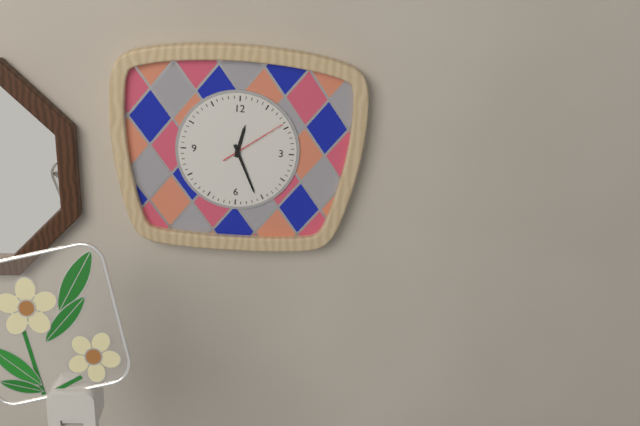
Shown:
12h26m09s
